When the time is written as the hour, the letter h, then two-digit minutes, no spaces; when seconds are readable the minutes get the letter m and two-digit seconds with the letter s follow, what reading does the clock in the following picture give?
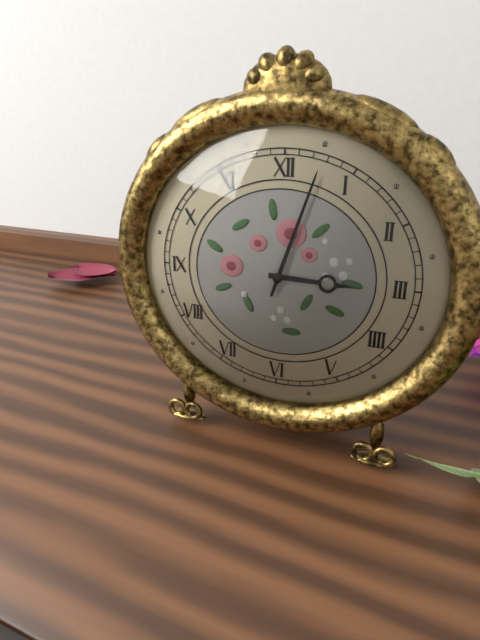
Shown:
3h03
